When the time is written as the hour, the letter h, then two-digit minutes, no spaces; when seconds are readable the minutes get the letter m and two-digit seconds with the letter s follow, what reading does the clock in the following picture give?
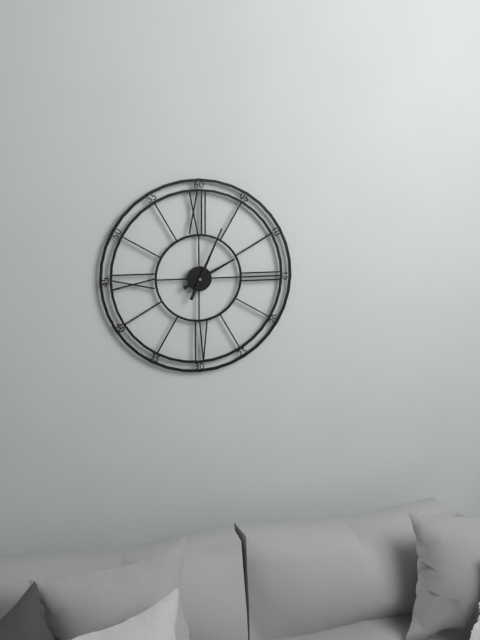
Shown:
2h04
